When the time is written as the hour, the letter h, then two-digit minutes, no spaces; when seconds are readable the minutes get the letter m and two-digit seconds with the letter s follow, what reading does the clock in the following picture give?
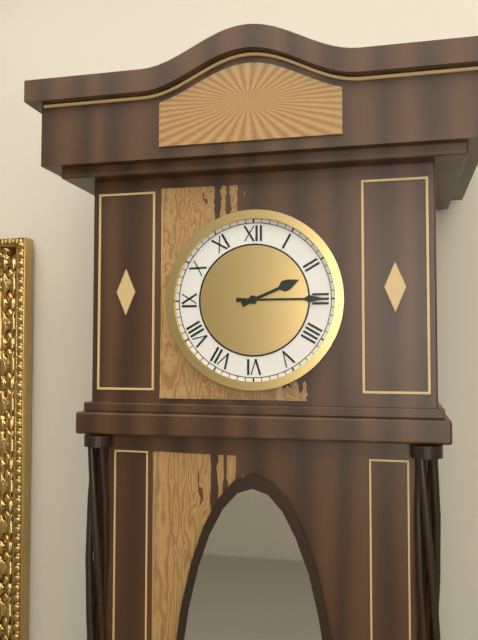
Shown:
2h15
